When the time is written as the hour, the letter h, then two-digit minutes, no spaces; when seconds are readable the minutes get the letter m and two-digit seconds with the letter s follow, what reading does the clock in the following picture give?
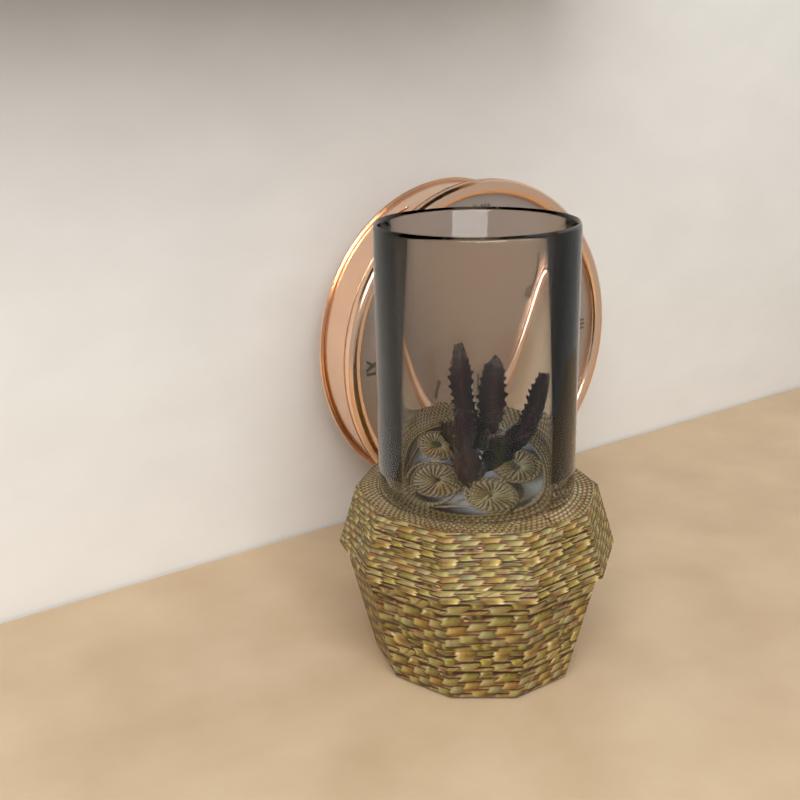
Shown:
10h20
